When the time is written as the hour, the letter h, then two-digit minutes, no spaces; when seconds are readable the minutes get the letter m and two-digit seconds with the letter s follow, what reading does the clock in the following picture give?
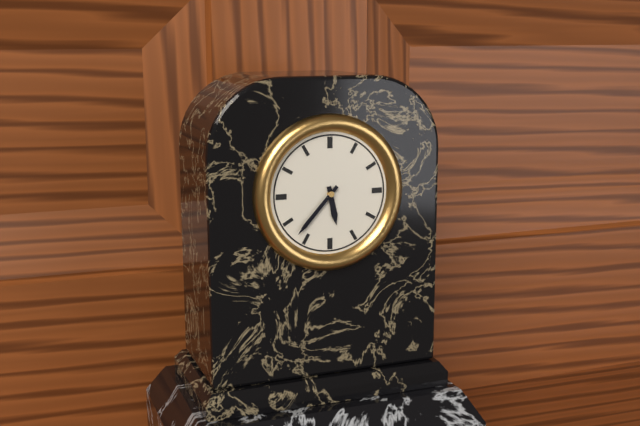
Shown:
5h37
